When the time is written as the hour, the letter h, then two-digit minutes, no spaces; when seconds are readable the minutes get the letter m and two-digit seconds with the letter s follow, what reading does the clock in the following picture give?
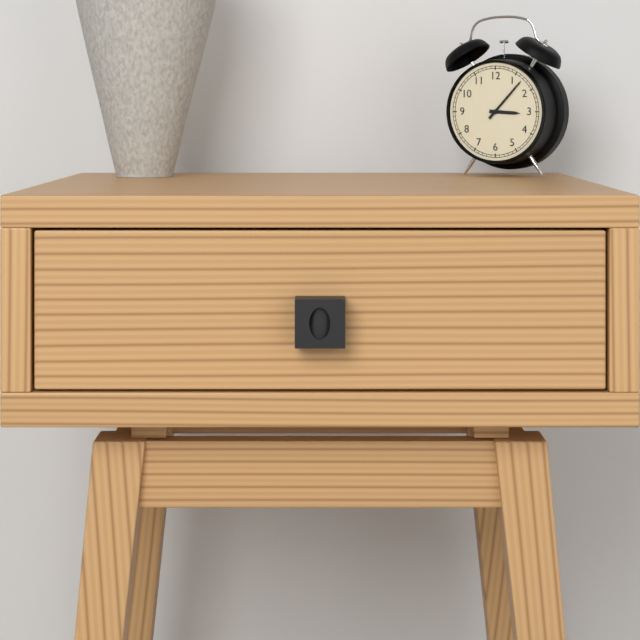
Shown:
3h07
